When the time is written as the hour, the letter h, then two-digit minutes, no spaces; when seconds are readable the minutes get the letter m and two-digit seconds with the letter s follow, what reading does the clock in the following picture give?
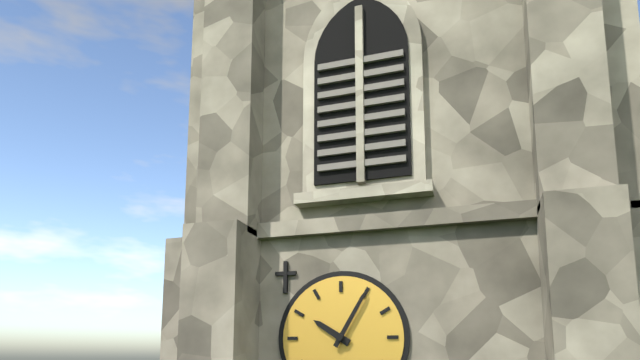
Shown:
10h05
